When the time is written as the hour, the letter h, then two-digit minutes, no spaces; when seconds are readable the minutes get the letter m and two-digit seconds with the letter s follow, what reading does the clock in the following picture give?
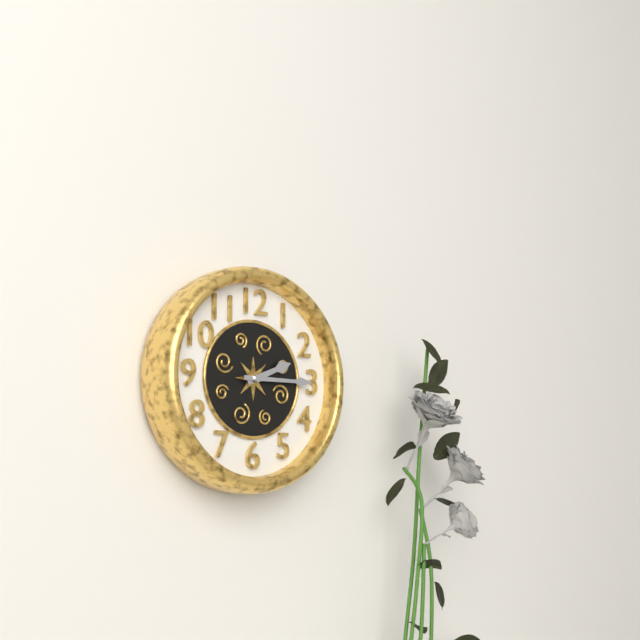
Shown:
2h15
